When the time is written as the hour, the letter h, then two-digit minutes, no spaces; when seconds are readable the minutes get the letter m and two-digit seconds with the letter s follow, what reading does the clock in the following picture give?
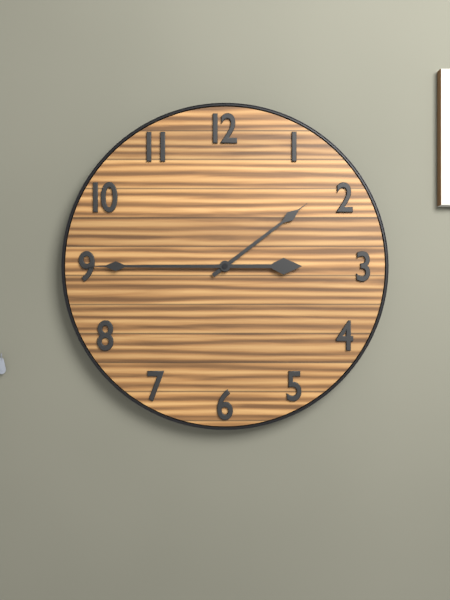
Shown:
1h45
